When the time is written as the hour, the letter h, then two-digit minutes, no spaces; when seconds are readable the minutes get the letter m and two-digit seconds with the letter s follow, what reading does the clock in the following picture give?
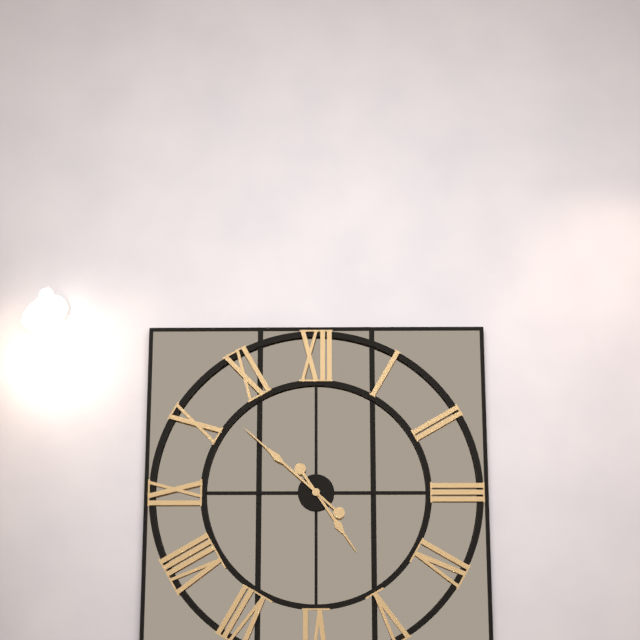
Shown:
4h52
